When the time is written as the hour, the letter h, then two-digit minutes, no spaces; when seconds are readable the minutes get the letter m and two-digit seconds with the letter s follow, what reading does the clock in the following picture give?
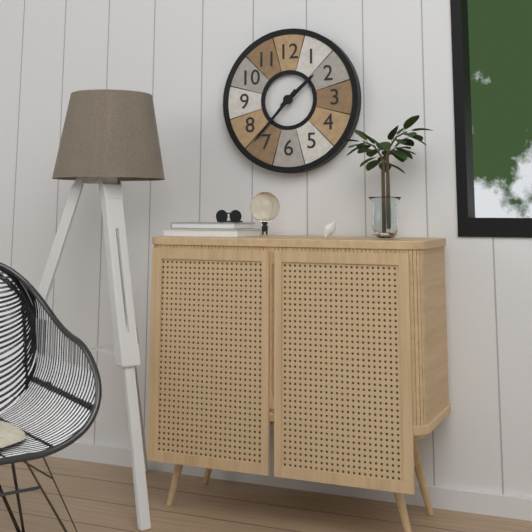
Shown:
1h37
